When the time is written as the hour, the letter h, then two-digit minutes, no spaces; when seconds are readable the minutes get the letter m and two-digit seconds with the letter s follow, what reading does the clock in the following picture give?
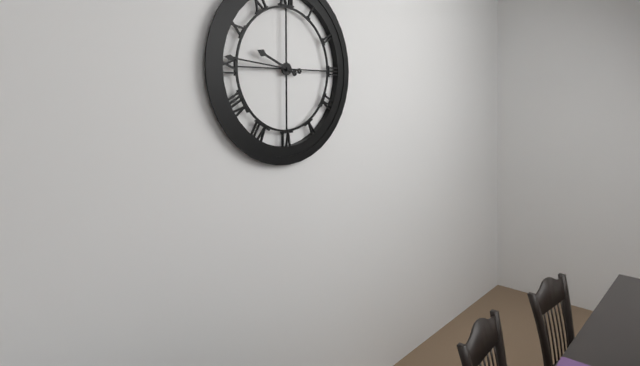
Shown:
9h46
